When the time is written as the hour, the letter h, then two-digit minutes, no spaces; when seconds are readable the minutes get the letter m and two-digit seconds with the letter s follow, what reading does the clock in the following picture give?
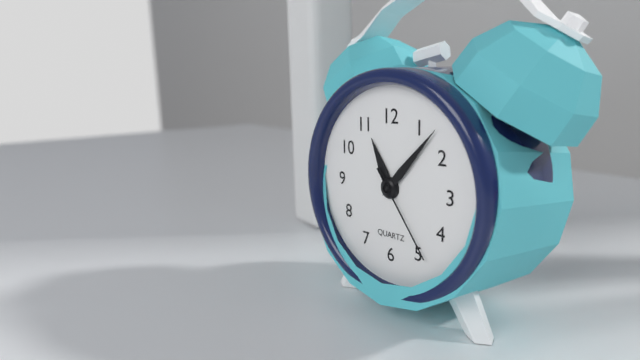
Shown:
11h07m24s
